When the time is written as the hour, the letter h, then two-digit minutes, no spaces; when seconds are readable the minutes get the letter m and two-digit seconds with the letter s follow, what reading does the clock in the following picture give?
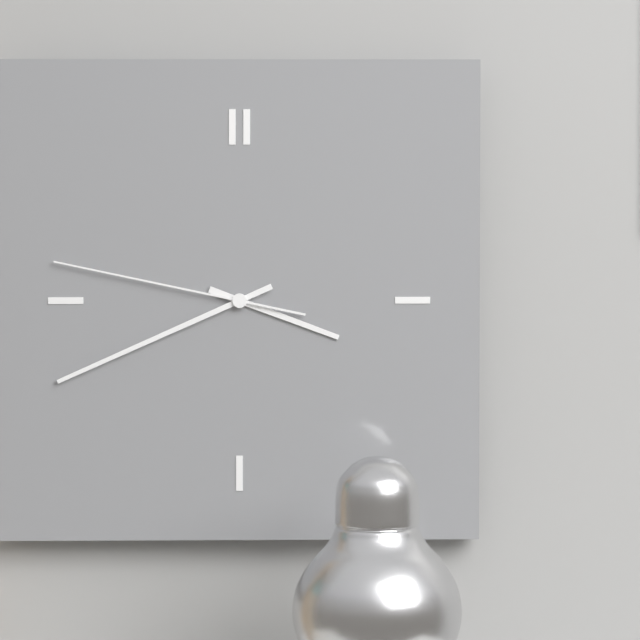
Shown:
3h41m47s
